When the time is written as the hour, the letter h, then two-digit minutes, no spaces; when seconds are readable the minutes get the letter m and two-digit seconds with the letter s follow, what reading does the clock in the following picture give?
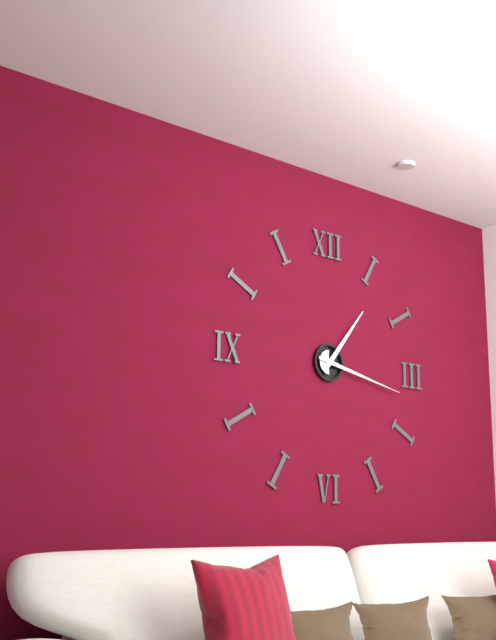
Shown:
1h17
